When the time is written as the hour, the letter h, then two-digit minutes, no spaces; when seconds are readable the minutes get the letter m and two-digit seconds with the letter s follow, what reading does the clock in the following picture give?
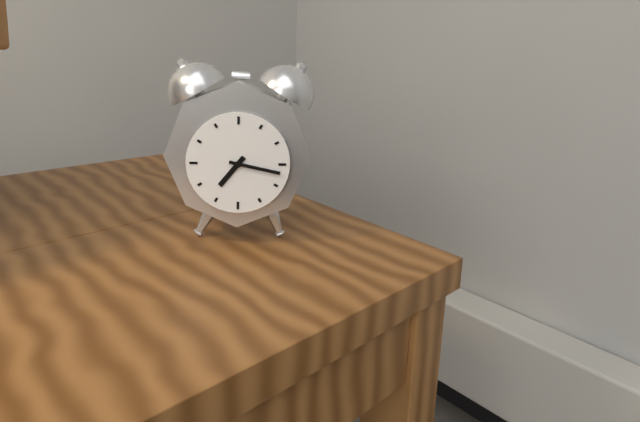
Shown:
7h17
